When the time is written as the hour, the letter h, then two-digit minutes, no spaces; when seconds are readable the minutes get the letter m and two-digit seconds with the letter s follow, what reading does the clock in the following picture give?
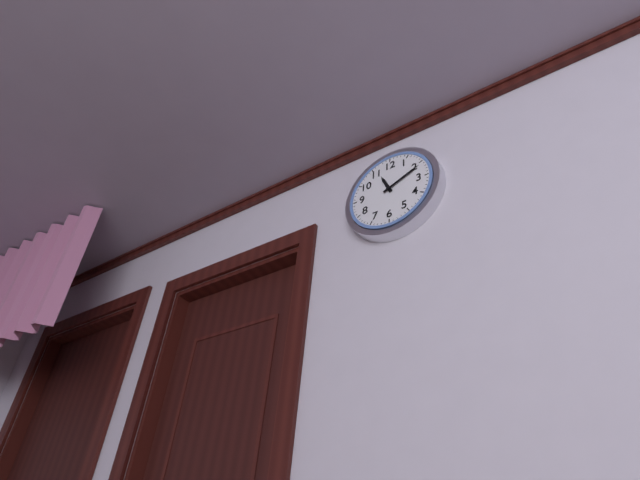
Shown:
11h11
